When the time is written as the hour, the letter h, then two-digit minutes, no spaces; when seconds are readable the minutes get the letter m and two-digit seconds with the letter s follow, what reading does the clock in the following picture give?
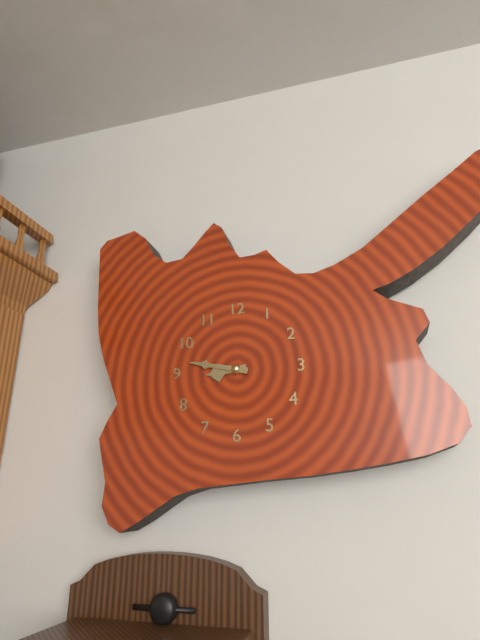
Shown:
8h47
